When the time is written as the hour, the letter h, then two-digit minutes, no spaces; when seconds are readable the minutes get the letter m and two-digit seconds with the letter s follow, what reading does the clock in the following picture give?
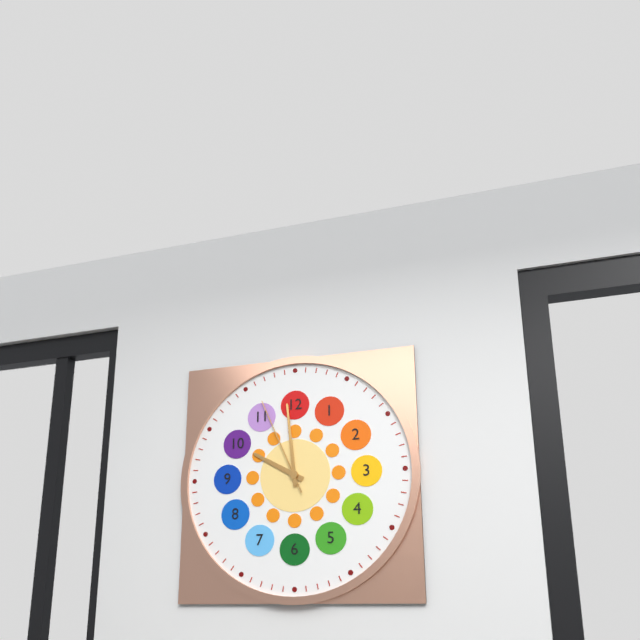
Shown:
9h59m56s
